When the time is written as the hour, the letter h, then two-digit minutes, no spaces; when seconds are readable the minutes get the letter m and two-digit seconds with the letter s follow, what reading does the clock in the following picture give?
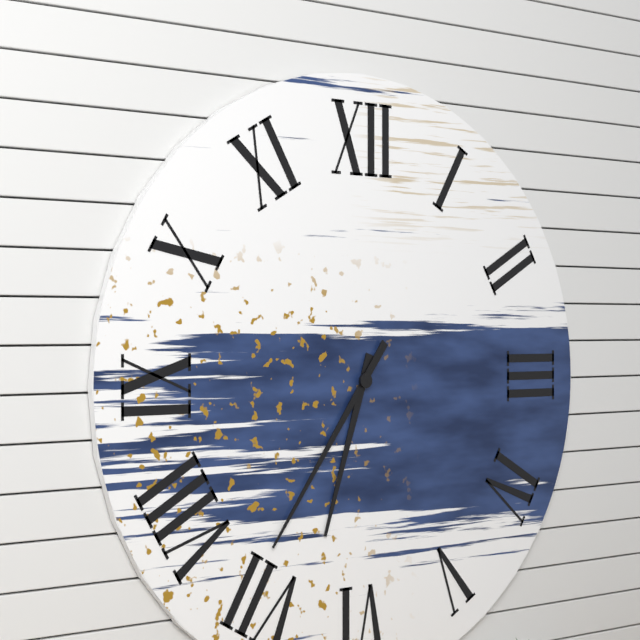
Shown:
6h36
